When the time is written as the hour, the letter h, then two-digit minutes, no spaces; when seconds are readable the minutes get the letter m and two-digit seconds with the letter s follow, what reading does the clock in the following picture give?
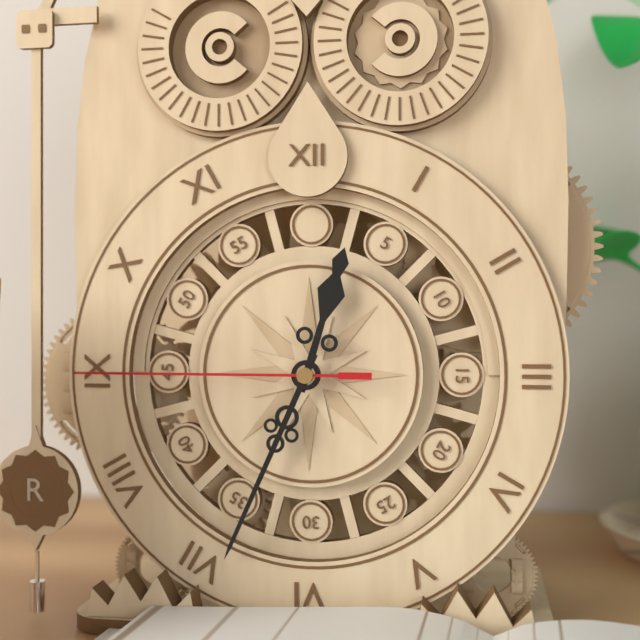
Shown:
12h34m45s
